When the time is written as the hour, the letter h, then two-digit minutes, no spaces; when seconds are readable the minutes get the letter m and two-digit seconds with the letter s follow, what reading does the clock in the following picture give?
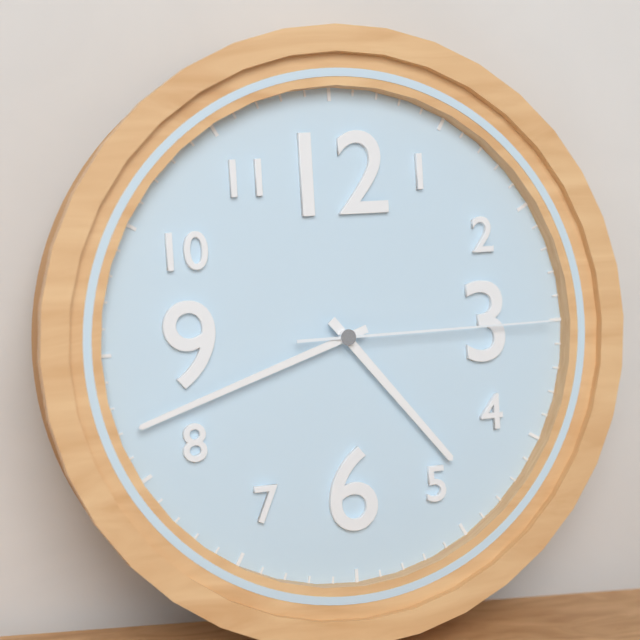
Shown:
4h42m15s
